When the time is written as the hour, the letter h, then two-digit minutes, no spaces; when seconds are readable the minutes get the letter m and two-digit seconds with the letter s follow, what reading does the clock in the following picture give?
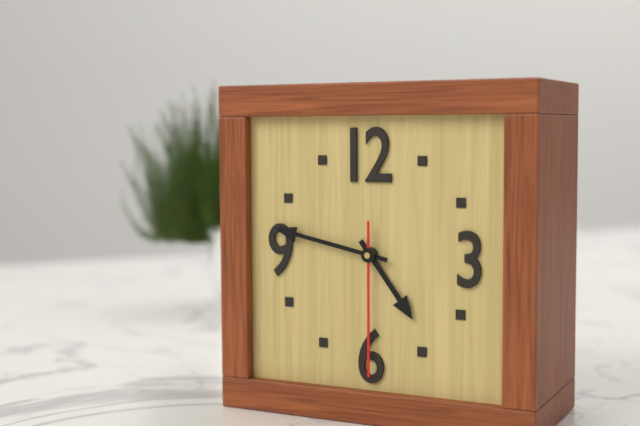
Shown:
4h47m30s
